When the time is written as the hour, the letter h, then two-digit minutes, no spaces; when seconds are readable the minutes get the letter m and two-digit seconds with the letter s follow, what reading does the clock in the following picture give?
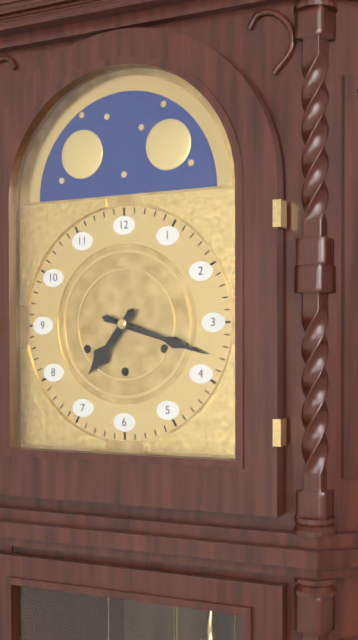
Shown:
7h18
